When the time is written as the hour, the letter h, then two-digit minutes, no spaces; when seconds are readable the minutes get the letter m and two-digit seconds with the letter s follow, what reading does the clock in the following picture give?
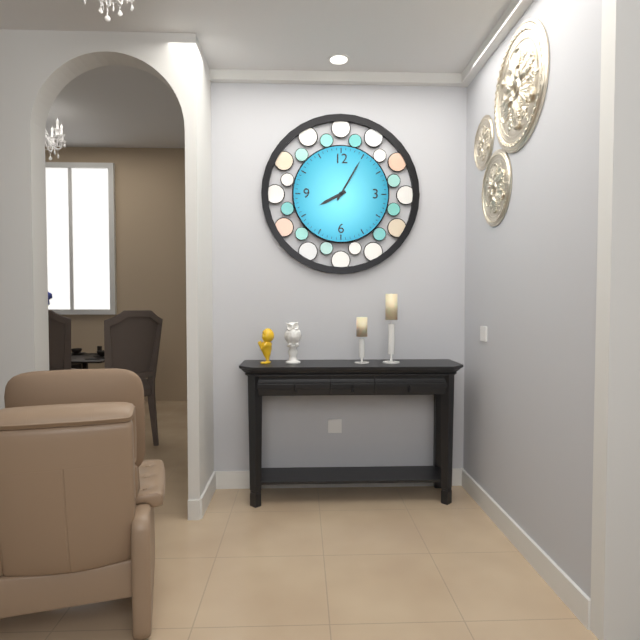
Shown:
8h05
